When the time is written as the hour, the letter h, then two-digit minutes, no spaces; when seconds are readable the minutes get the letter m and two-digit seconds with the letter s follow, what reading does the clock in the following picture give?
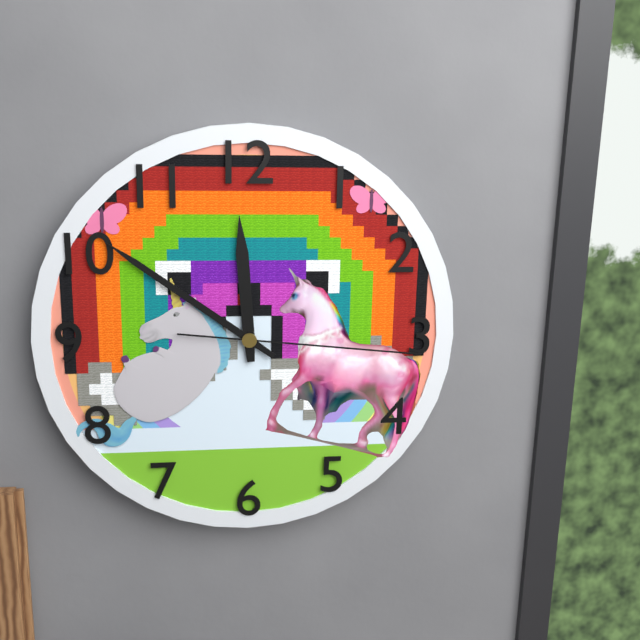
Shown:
11h51m16s
